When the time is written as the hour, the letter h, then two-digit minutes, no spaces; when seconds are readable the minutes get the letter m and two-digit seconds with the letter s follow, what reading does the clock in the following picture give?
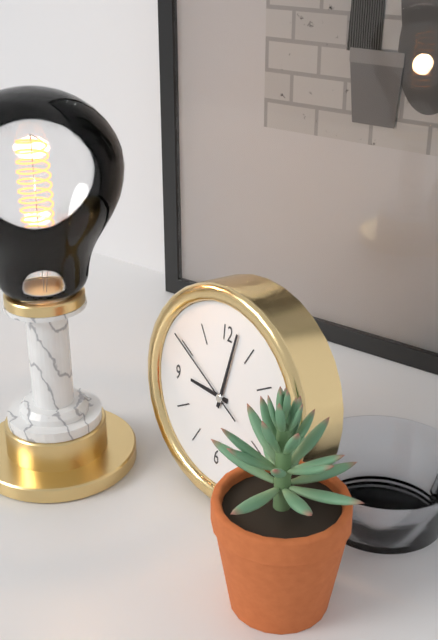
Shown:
9h02m50s
